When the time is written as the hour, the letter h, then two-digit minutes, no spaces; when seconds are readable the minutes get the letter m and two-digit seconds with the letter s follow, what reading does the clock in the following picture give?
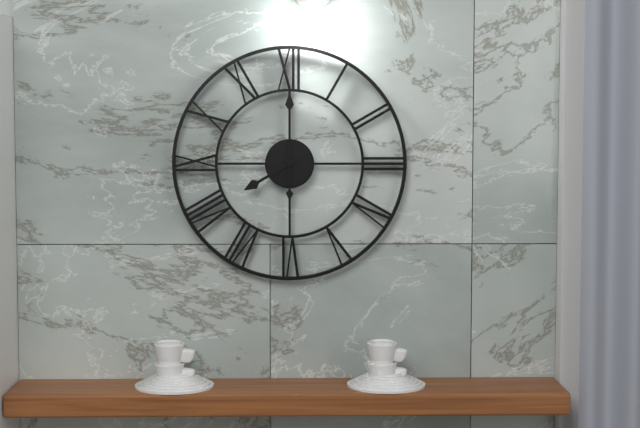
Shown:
8h00
